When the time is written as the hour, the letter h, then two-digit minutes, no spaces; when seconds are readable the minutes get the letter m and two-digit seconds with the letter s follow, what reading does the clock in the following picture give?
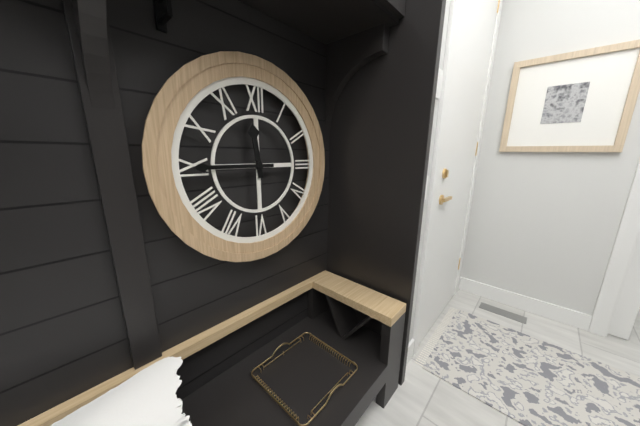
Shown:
11h45
